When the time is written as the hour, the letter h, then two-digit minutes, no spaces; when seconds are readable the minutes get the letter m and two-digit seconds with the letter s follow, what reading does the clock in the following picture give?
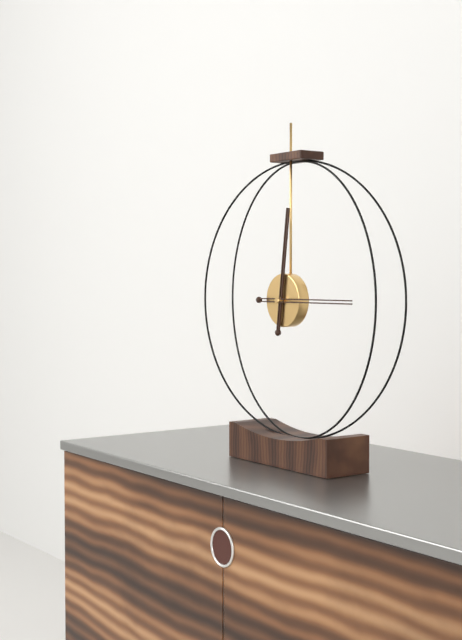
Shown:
12h15
